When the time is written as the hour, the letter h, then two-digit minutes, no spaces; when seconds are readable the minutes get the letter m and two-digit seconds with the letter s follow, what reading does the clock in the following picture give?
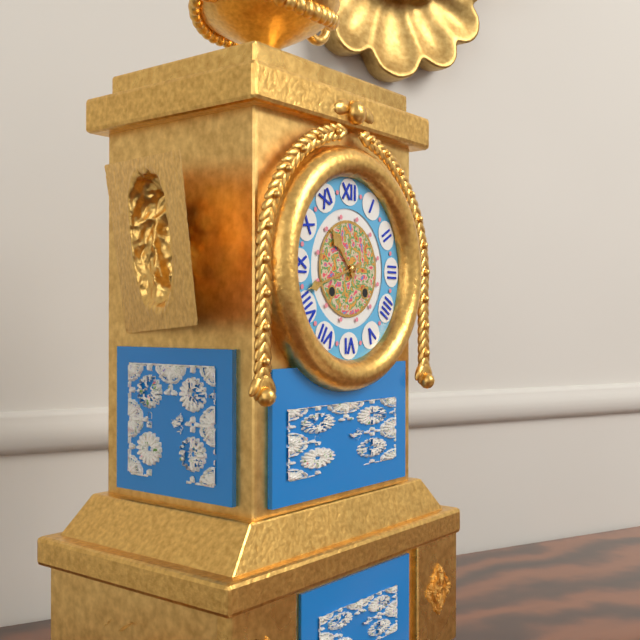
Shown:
10h42
